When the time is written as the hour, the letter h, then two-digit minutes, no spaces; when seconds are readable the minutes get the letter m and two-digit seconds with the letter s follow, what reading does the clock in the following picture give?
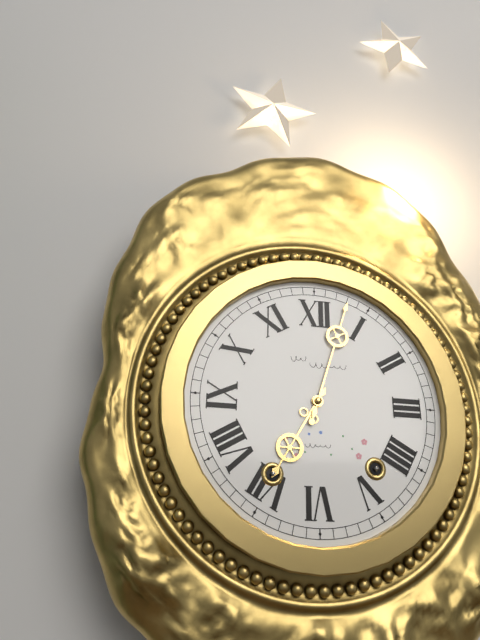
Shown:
7h03
